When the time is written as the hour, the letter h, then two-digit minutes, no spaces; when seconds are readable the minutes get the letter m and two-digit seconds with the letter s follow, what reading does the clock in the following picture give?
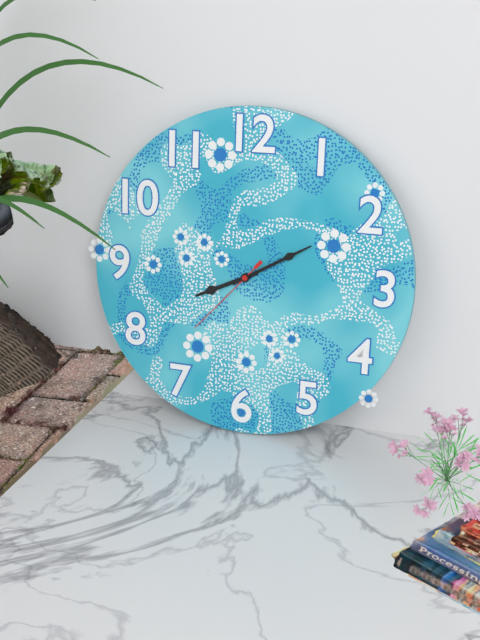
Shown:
8h10m37s
